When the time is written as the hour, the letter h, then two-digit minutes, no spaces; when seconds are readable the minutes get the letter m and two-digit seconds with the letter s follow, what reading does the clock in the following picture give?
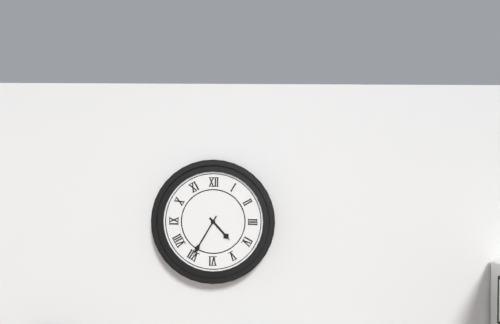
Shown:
4h35
